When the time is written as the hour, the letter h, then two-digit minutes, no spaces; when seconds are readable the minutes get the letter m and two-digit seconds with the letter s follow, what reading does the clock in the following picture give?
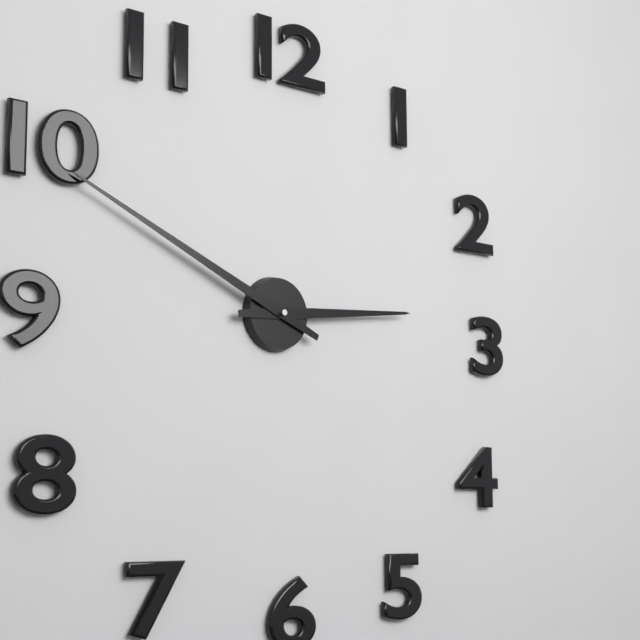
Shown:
2h49
